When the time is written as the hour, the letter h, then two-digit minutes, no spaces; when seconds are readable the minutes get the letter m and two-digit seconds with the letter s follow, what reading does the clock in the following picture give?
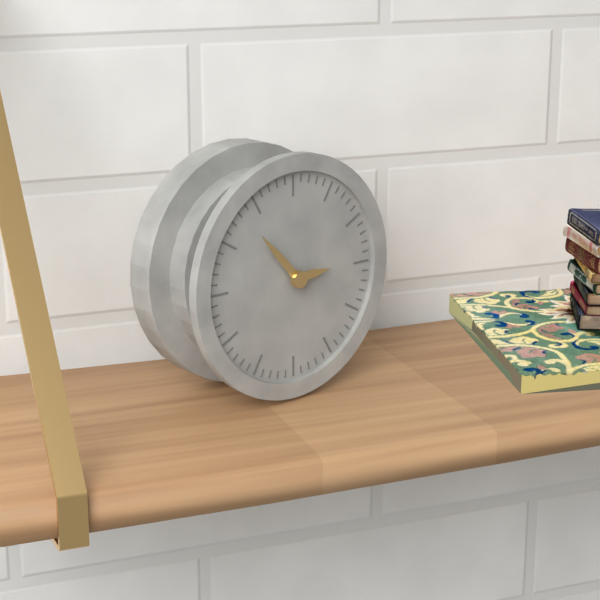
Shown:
2h53
